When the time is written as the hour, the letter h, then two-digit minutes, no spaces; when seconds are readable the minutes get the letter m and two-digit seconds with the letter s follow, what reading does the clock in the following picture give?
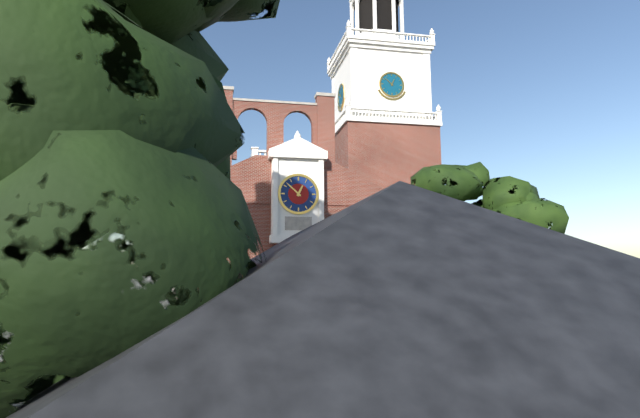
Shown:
12h52
